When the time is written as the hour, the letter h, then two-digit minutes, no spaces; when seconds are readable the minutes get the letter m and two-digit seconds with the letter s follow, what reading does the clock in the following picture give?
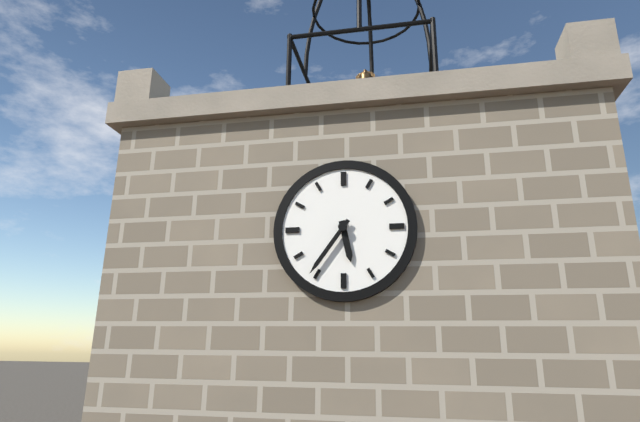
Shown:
5h36
